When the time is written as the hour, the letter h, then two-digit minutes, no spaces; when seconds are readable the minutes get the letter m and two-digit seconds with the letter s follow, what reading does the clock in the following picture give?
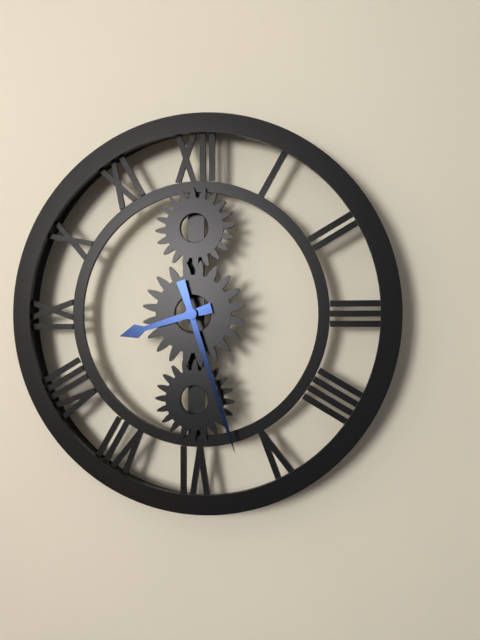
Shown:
8h27
